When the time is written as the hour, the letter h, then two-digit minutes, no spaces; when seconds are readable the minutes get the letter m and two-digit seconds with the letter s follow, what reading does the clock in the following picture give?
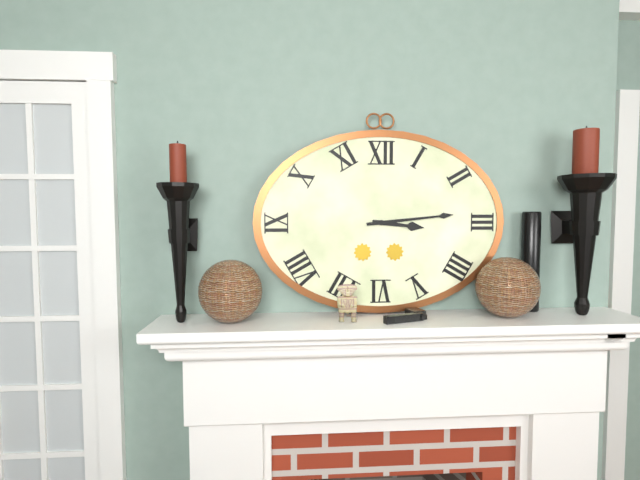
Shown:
3h14
